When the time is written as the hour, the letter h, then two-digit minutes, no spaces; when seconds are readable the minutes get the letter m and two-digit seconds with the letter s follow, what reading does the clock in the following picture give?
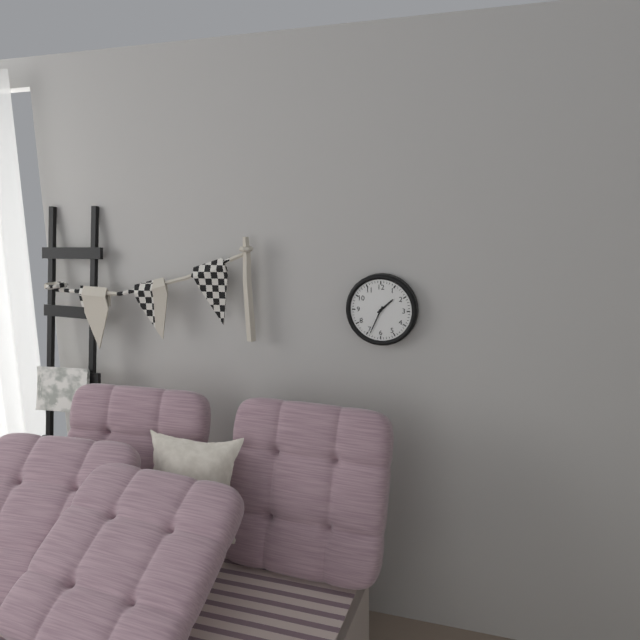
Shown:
1h34
